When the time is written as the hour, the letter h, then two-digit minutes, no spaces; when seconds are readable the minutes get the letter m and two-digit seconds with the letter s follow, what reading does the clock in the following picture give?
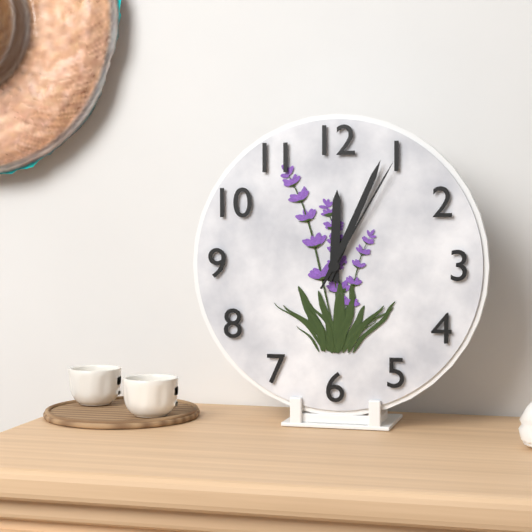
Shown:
12h04m05s
